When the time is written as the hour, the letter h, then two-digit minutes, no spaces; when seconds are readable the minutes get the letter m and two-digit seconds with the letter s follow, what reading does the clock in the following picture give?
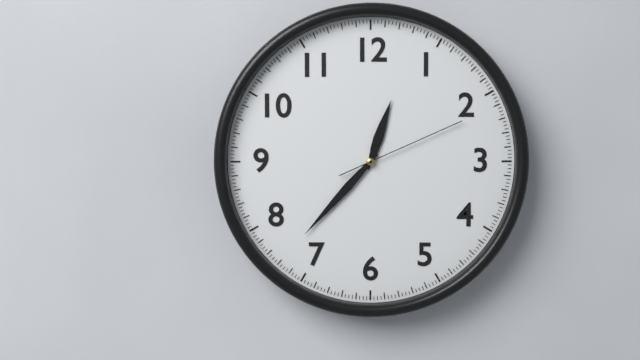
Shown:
12h37m11s
